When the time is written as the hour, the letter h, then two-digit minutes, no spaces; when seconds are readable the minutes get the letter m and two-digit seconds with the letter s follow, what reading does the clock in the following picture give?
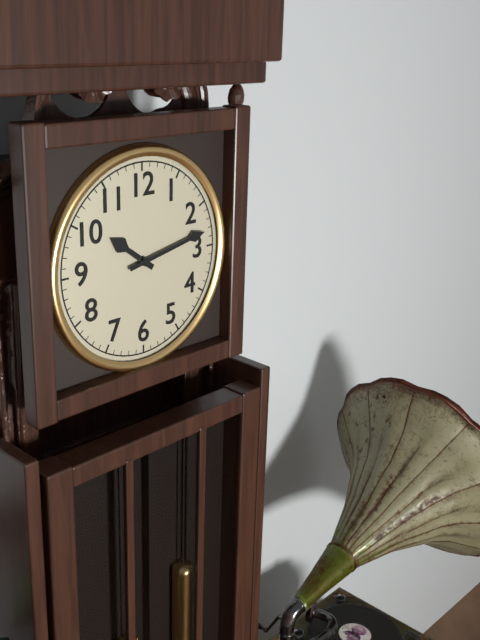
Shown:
10h13
